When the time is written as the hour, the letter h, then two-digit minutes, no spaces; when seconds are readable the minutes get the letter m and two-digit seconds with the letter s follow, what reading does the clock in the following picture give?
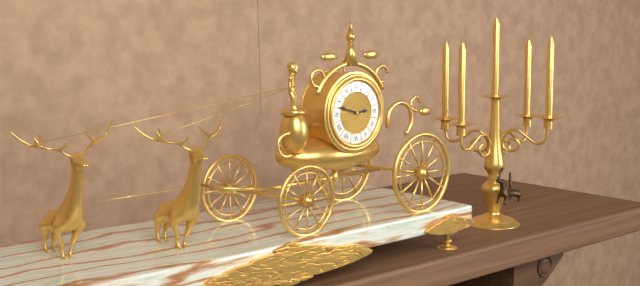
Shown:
2h48
